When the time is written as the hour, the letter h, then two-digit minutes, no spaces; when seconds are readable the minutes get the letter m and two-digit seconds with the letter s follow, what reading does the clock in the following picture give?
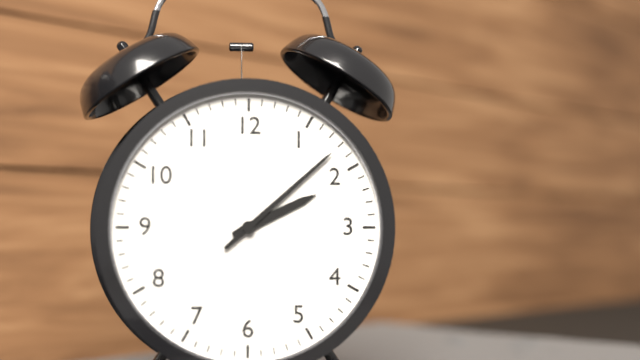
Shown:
2h08
